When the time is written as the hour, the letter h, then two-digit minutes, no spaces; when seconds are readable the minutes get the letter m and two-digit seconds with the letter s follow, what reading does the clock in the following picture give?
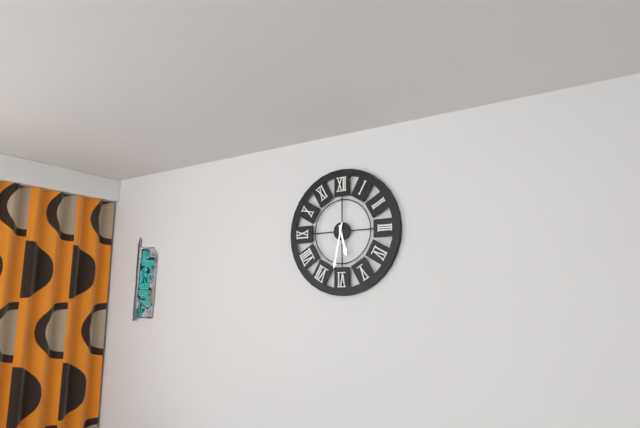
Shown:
5h32
